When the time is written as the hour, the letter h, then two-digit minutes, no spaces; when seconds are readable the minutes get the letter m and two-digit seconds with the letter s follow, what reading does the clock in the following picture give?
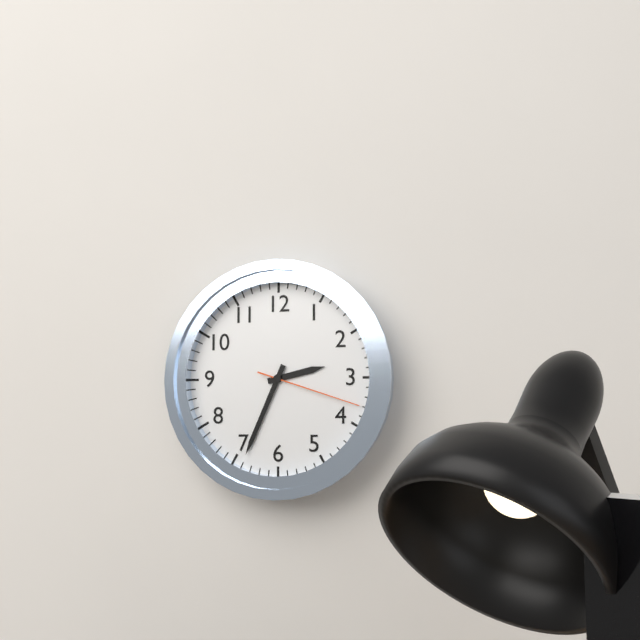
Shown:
2h34m18s
